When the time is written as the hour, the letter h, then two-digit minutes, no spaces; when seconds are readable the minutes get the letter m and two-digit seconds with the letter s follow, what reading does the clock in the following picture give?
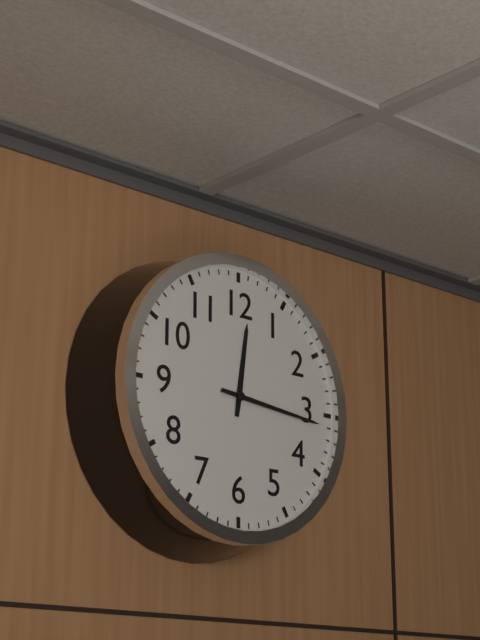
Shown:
12h16
